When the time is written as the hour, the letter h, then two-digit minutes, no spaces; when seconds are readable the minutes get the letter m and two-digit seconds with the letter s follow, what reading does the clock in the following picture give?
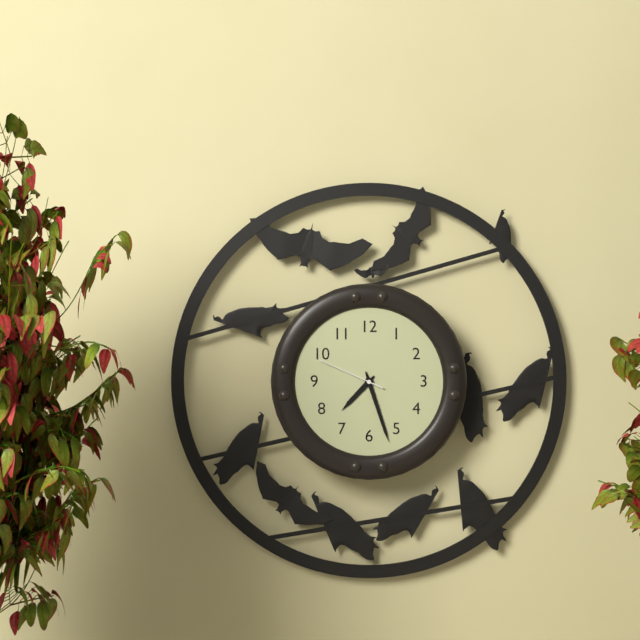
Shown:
7h27m49s
